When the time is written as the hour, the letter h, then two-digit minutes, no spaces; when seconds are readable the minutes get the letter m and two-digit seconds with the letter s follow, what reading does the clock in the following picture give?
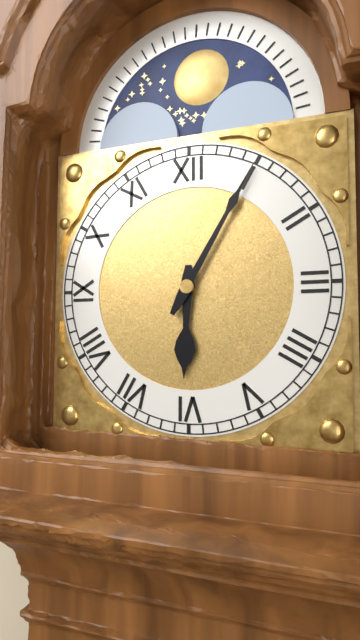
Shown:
6h05
